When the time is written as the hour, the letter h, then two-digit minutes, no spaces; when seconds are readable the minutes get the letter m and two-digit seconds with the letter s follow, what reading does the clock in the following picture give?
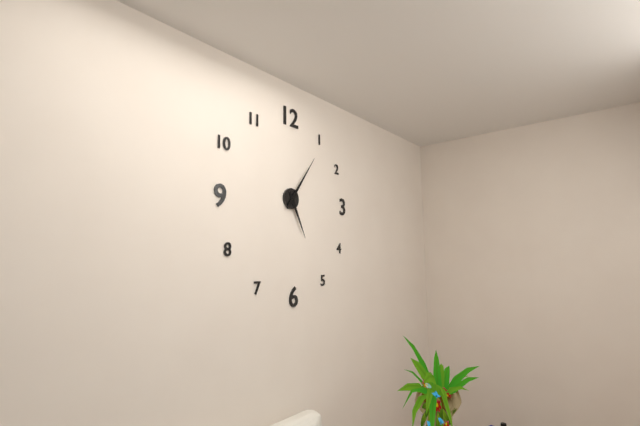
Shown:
5h06
